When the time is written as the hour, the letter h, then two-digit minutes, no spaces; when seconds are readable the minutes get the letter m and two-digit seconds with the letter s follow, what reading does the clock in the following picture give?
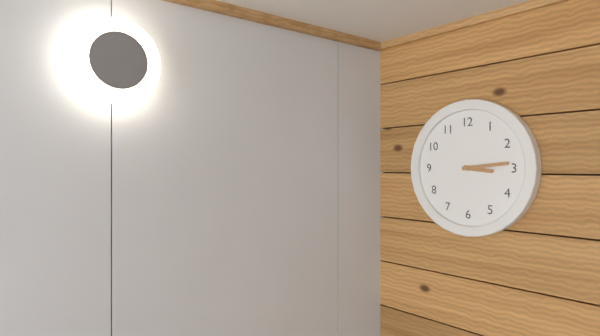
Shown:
3h14
